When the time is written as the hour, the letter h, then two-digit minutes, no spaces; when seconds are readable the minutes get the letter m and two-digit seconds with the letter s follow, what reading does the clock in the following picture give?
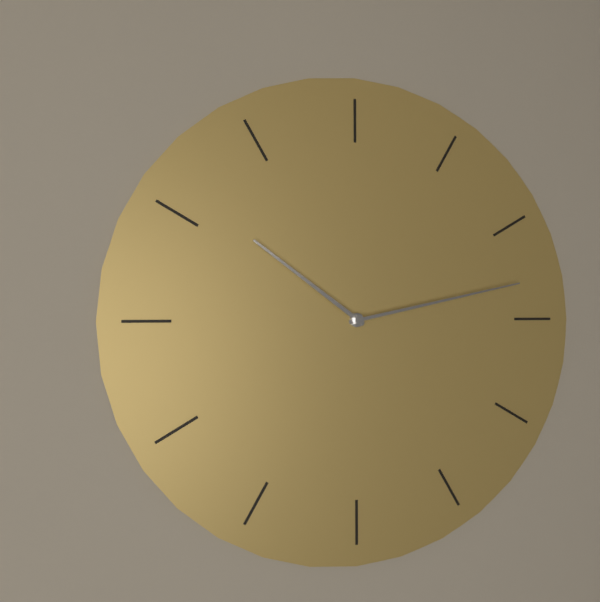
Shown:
10h13
